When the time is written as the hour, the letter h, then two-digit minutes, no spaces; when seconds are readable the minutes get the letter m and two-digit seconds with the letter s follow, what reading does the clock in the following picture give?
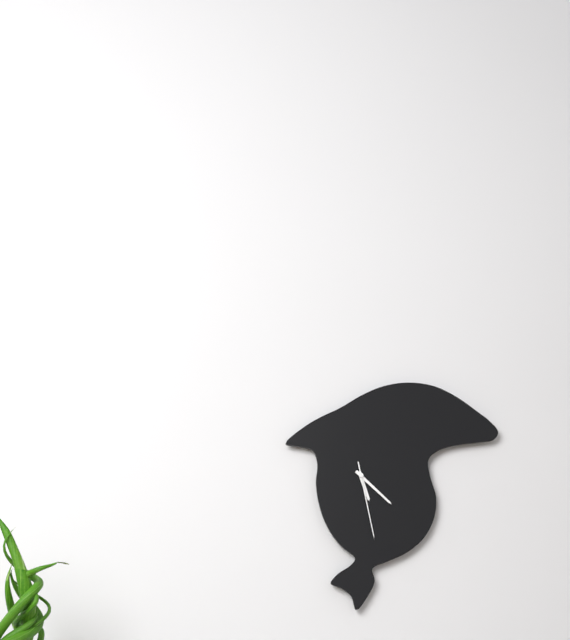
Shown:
5h22m28s
